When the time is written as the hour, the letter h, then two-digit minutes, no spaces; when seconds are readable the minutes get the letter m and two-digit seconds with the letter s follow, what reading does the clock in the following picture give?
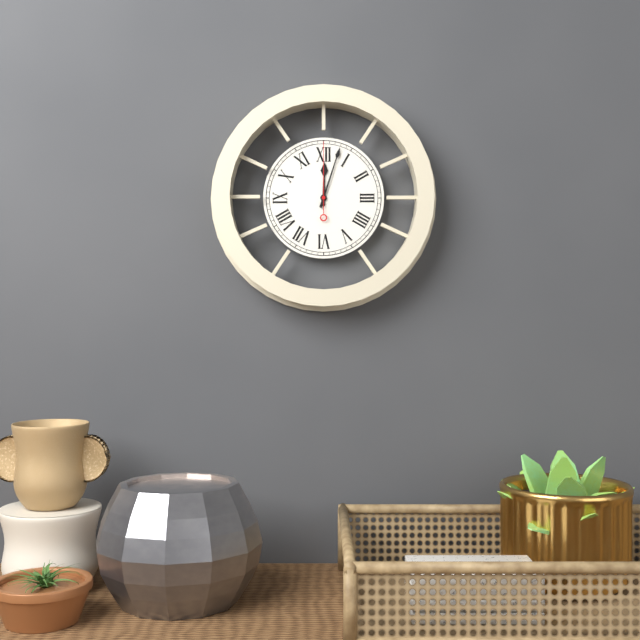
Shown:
12h03m00s
